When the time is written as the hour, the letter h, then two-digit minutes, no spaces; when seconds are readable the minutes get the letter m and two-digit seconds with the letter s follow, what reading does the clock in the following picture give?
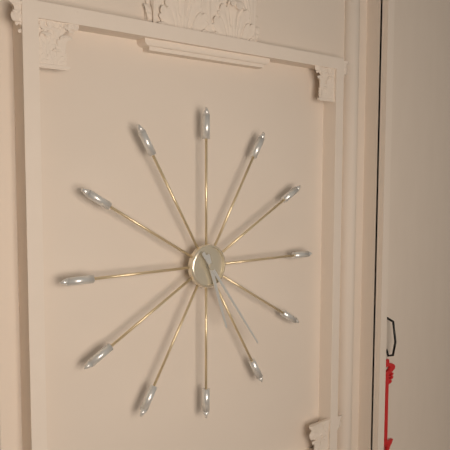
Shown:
5h24
